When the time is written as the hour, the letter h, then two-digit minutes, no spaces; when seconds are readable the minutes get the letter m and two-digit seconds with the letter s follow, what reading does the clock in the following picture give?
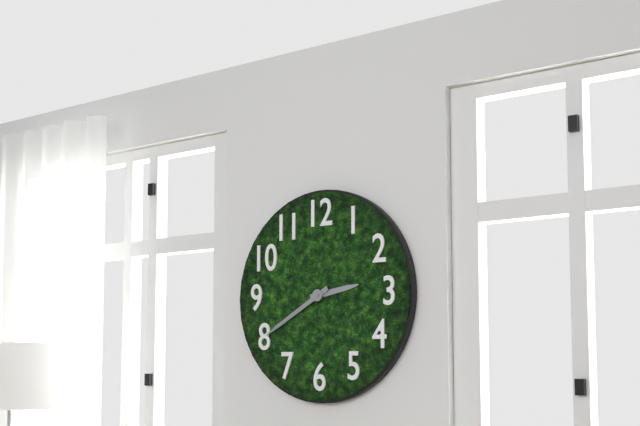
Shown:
2h40
